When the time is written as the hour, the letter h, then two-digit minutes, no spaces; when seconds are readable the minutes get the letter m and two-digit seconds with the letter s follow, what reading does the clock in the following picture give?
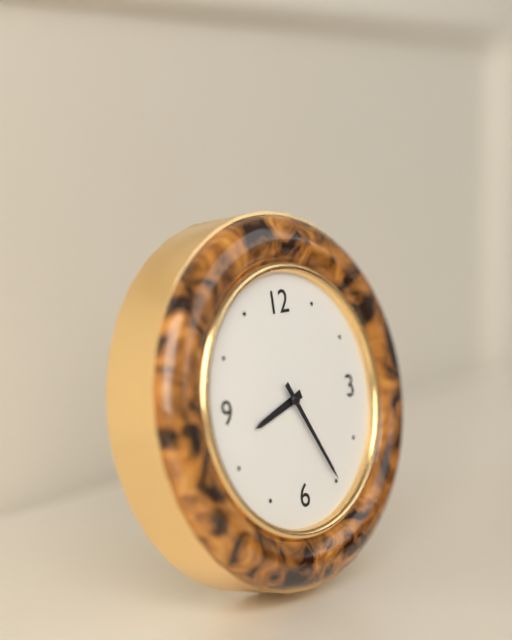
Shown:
8h25
